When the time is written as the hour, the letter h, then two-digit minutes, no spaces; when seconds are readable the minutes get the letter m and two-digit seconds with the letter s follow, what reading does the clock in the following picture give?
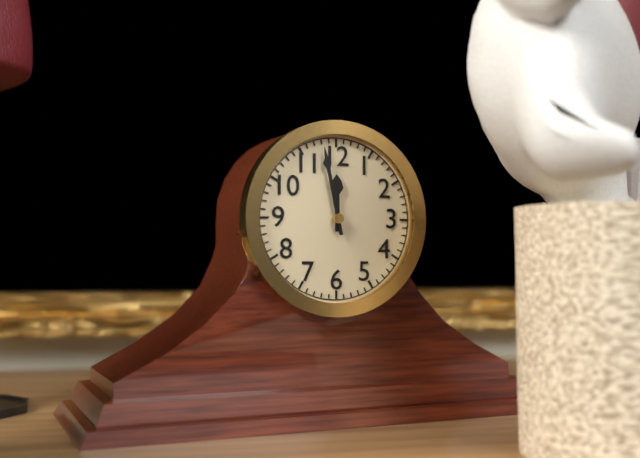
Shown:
11h58
